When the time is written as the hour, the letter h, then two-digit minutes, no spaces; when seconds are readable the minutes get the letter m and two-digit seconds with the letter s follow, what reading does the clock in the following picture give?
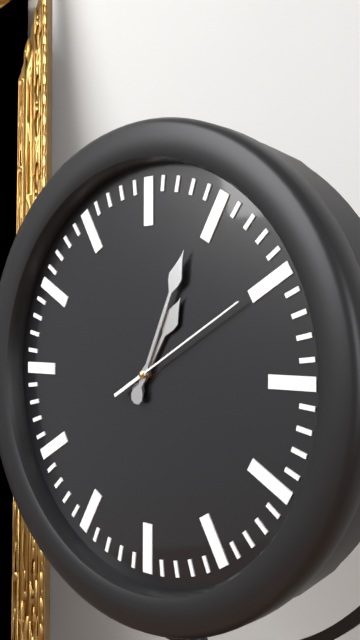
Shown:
1h04m10s
